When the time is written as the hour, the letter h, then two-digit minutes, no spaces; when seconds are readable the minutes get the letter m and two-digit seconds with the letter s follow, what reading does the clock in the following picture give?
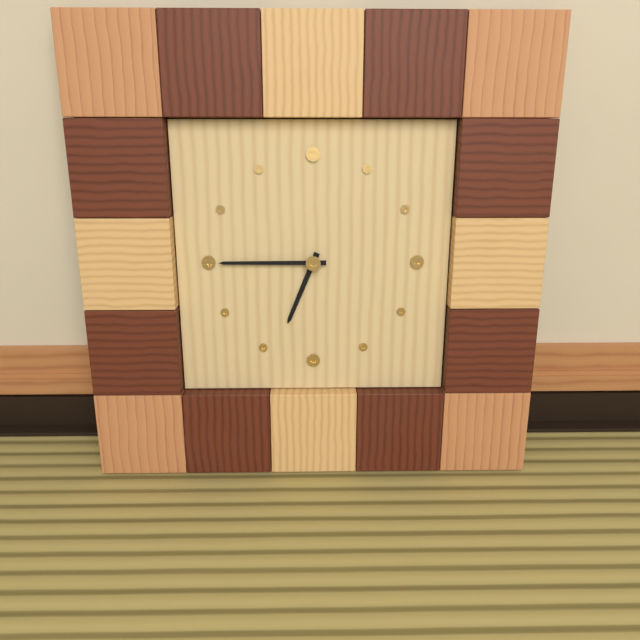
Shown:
6h45
